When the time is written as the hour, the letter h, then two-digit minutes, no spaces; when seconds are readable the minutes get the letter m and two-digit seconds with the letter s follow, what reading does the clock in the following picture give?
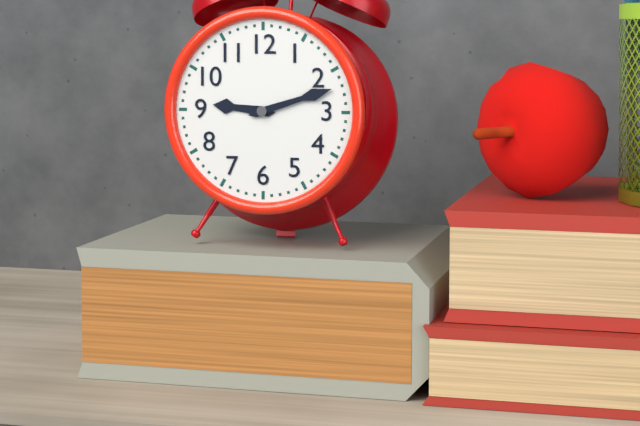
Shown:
9h12
